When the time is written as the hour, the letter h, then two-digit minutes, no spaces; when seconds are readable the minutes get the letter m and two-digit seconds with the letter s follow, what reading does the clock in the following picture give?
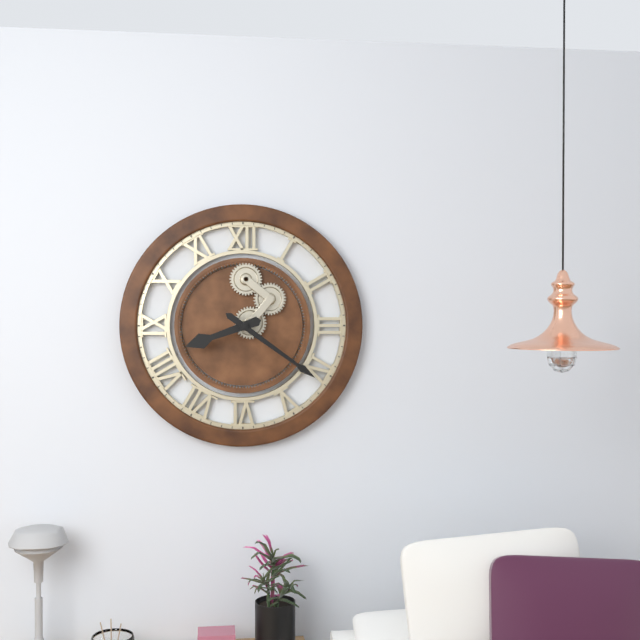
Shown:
8h21
